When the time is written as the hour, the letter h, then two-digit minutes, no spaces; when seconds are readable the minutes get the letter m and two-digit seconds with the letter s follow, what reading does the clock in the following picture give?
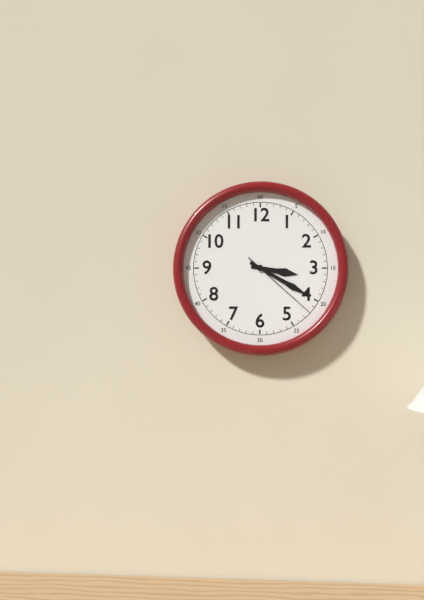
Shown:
3h20m22s
